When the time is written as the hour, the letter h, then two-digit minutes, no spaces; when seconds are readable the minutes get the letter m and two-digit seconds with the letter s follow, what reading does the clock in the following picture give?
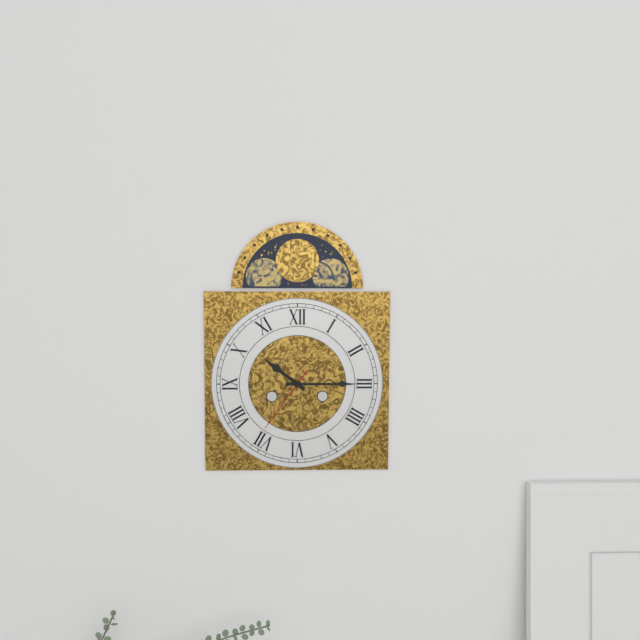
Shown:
10h15m36s
